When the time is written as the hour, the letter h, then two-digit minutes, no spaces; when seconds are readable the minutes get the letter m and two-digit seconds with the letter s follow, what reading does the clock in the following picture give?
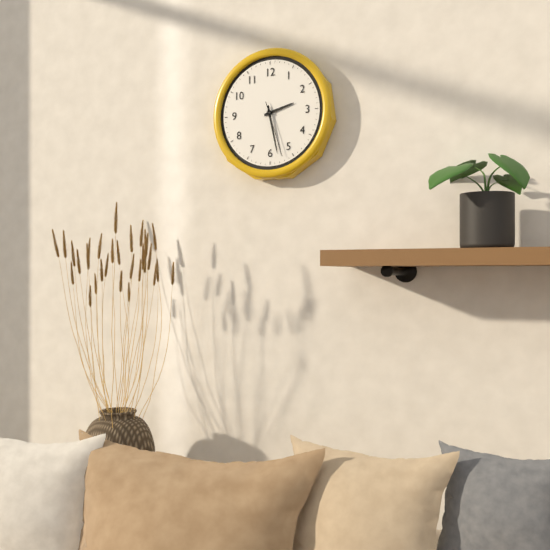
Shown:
2h28m27s
